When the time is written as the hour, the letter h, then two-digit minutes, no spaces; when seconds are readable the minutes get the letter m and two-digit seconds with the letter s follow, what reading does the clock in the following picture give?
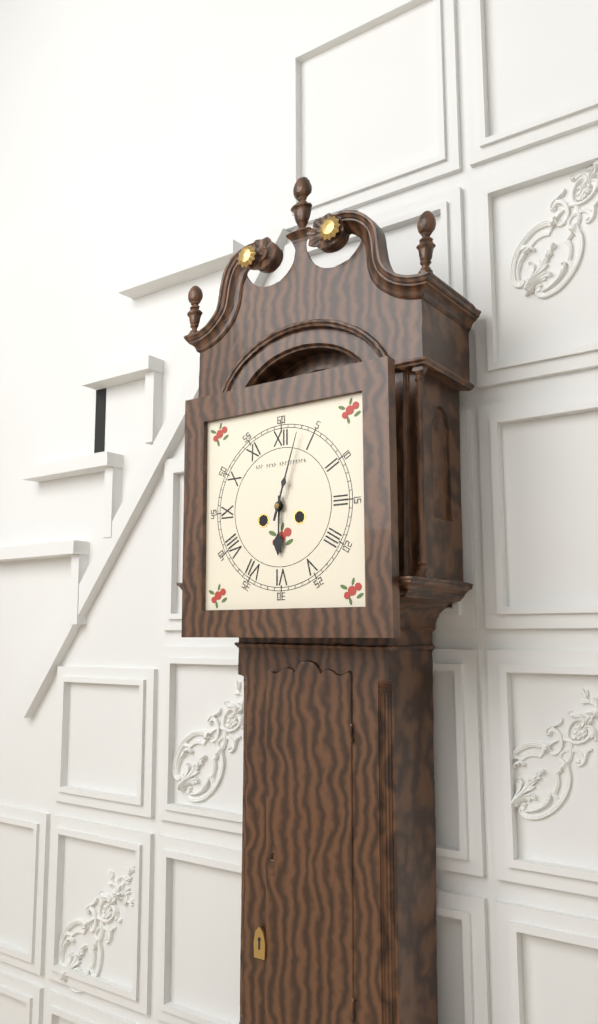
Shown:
6h03
